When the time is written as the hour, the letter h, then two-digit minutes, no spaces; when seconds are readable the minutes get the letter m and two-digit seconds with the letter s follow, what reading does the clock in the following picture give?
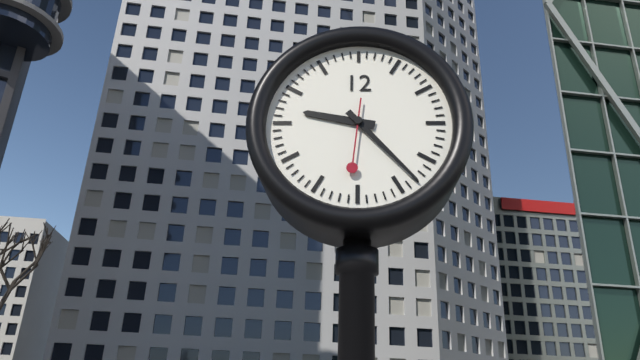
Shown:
9h23m31s
